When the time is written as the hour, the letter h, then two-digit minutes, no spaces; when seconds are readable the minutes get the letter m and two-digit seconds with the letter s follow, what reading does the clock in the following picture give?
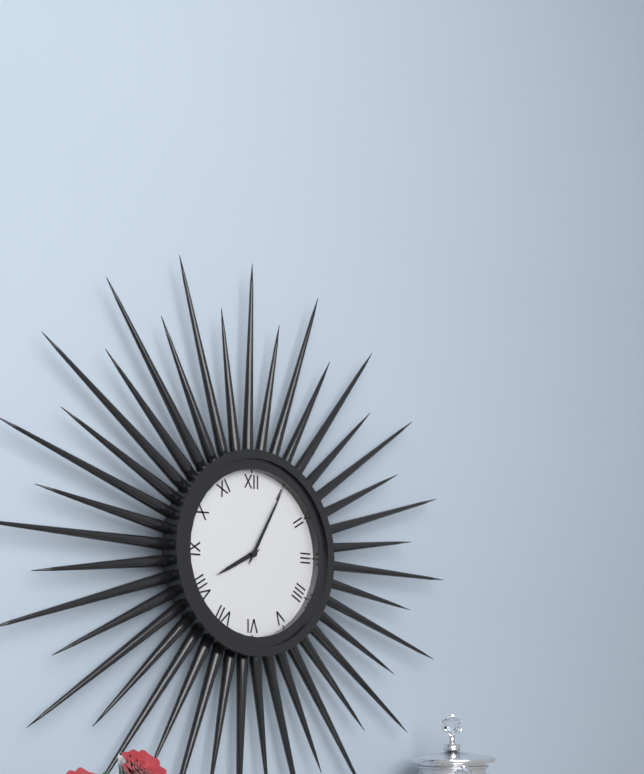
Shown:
8h05
